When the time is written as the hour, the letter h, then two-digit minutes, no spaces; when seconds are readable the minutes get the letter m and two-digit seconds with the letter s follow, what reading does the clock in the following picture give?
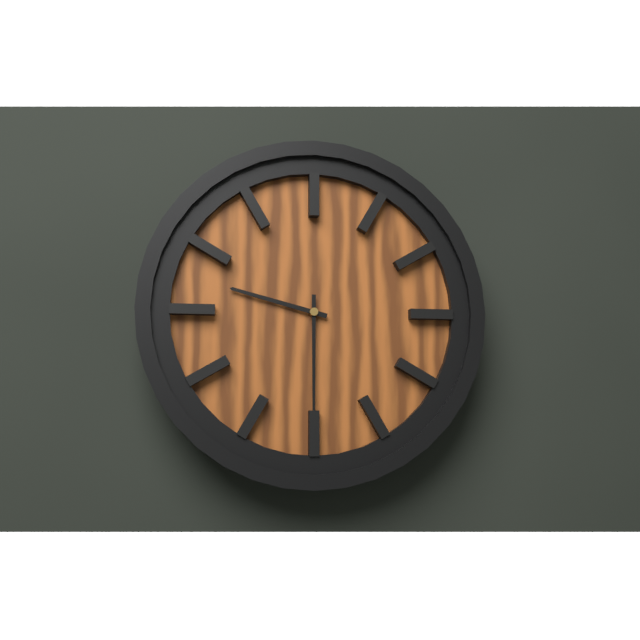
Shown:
9h30
